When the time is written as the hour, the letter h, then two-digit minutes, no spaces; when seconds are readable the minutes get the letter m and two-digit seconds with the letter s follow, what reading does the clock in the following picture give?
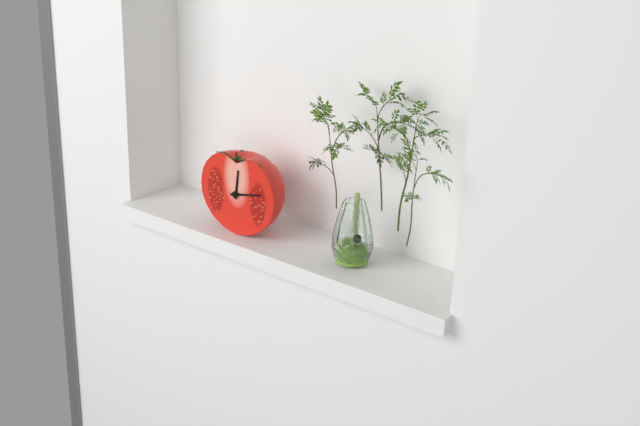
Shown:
12h13
